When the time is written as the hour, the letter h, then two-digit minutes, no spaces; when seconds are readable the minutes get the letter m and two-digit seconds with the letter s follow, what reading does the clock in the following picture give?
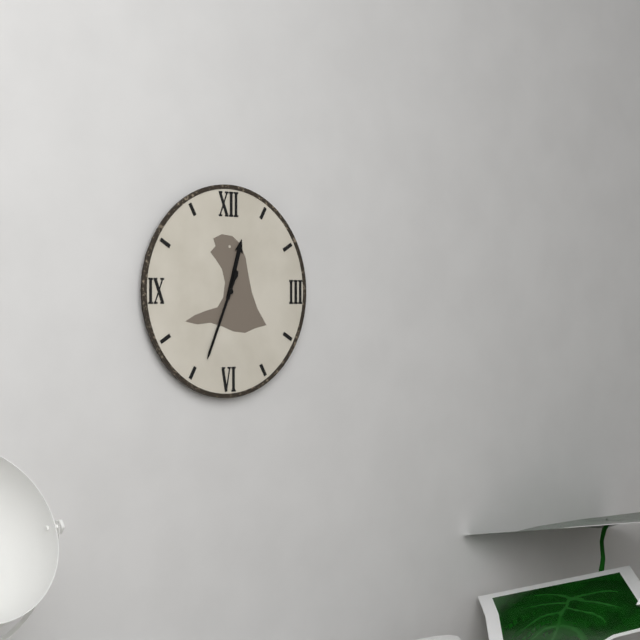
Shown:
12h34
